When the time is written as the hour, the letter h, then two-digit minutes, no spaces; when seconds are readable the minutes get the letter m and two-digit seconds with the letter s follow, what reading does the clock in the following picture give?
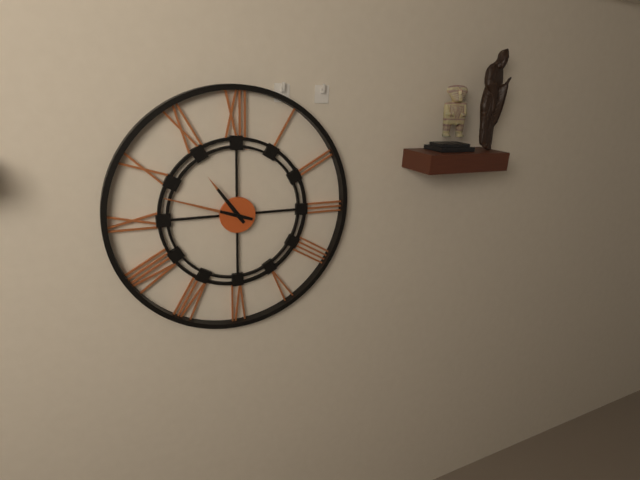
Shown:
10h48
